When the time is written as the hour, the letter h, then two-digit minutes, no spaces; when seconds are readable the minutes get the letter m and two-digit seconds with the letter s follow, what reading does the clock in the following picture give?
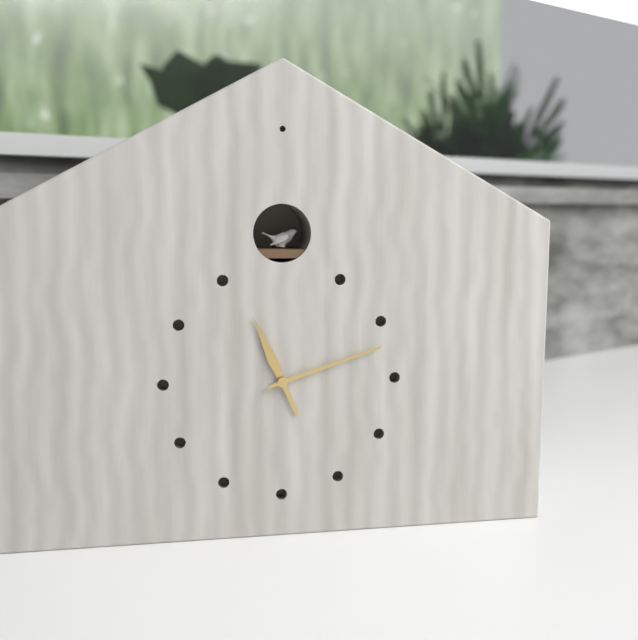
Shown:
11h12
